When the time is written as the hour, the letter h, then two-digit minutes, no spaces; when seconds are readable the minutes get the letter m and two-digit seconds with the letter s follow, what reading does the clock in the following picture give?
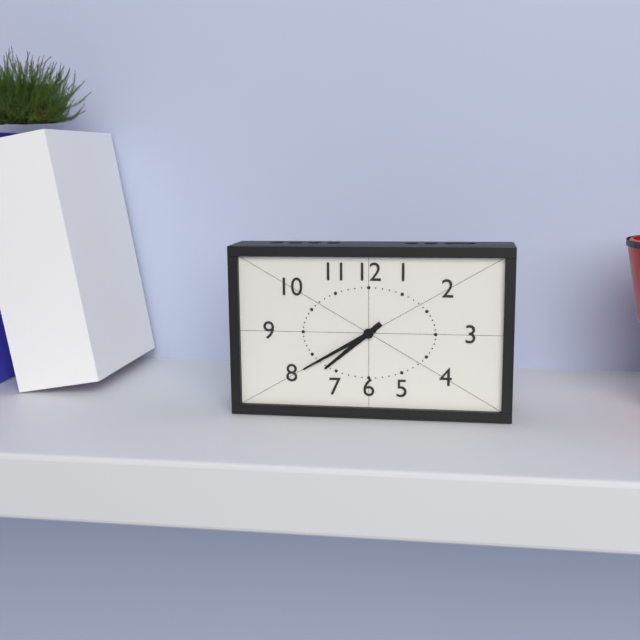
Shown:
7h40
